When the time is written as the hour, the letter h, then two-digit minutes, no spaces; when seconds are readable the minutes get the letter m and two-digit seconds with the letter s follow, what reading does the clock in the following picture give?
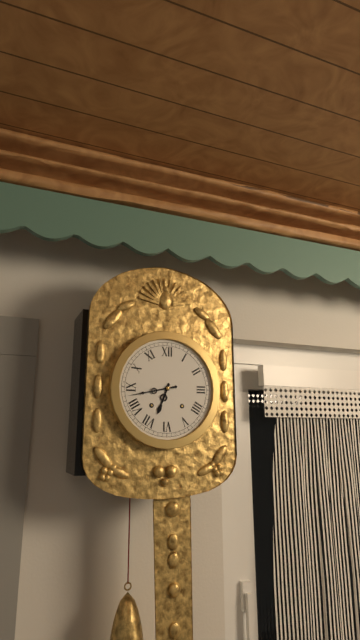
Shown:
6h43
